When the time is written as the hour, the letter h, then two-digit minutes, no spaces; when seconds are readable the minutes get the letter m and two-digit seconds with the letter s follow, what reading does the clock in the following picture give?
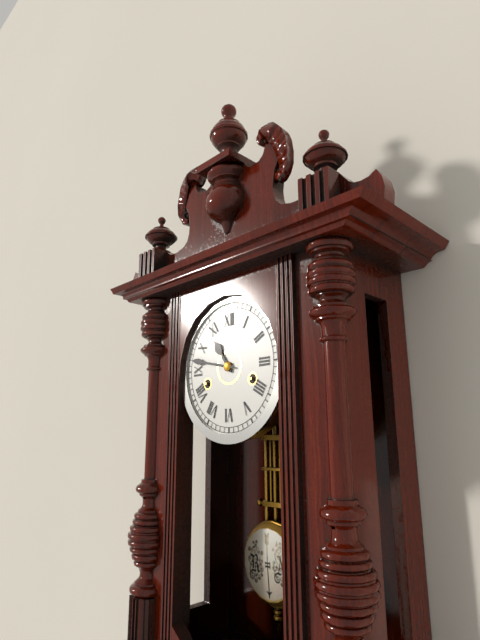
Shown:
10h47
